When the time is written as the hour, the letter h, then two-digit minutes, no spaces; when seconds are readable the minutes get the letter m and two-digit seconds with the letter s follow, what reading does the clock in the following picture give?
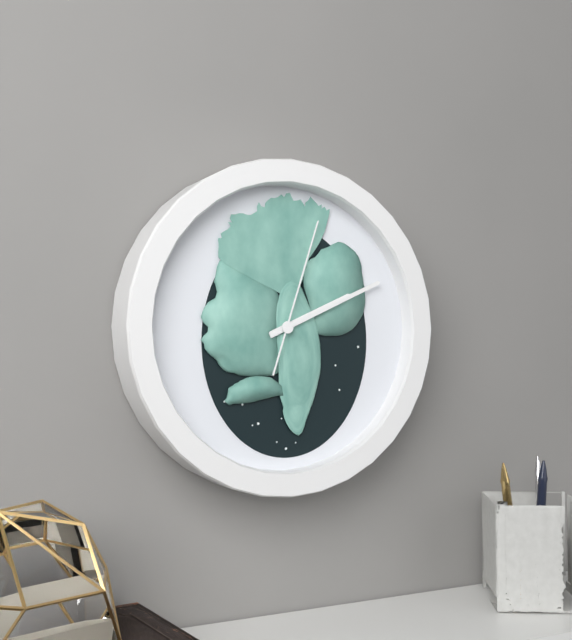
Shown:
2h11m03s
